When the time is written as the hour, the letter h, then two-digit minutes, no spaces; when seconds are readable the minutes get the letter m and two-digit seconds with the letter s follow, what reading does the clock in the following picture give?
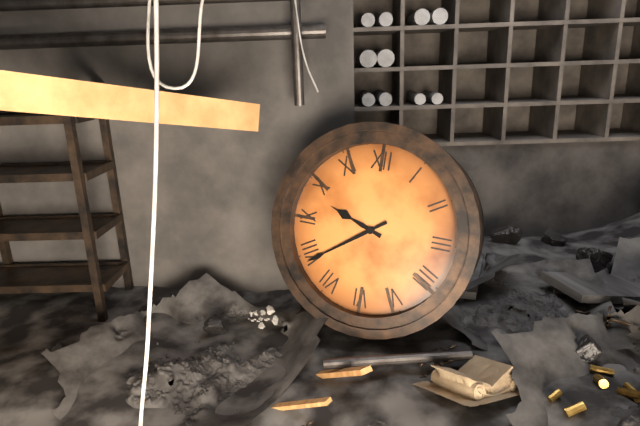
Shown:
9h39
